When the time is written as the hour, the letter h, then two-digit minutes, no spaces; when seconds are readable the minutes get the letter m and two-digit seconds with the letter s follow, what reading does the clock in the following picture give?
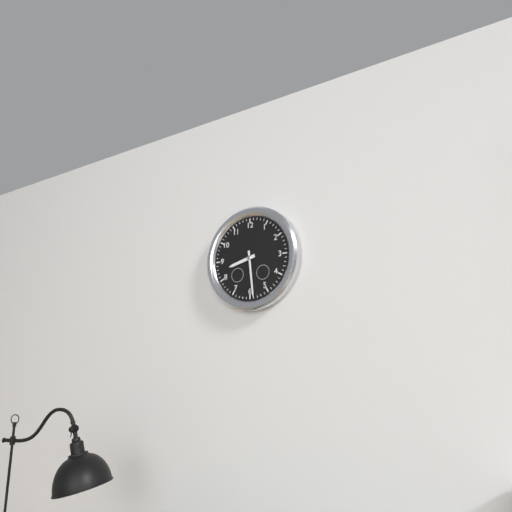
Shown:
8h29
